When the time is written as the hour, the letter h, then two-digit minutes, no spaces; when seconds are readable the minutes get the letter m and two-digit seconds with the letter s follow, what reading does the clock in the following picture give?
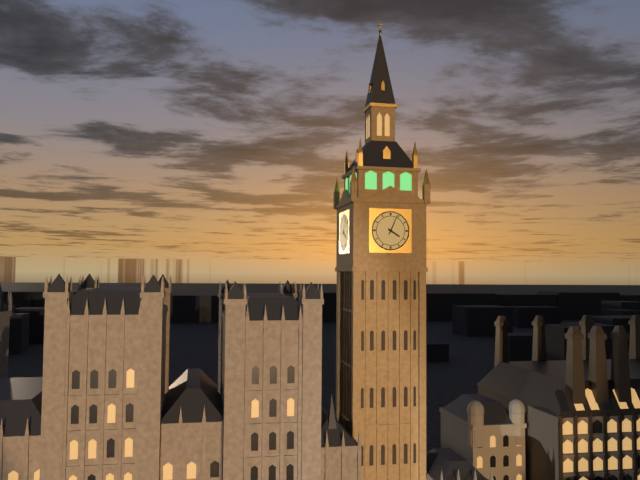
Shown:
4h04
